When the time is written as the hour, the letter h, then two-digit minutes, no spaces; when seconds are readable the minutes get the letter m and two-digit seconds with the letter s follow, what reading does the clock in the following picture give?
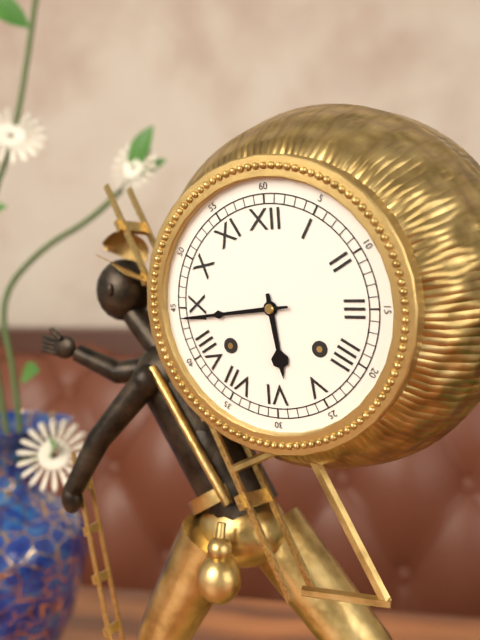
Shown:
5h44
